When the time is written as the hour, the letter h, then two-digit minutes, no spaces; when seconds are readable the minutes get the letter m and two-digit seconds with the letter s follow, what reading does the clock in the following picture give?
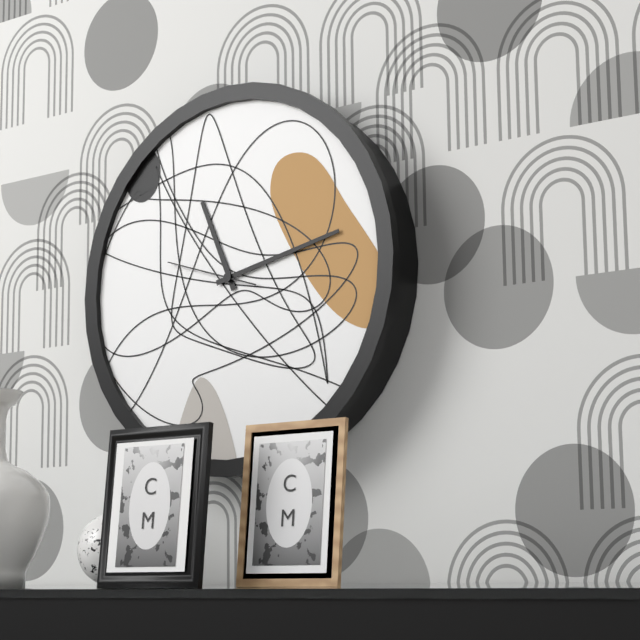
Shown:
11h13m48s
